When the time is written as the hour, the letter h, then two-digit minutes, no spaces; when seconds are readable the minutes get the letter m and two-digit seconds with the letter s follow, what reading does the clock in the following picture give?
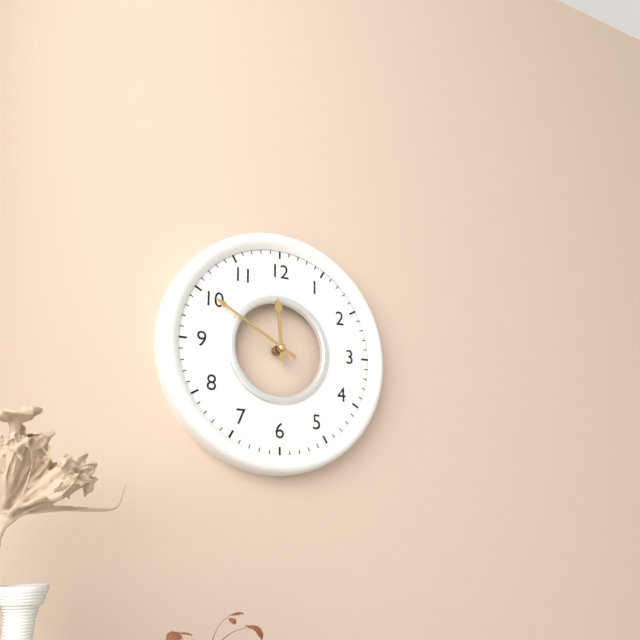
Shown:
11h50
